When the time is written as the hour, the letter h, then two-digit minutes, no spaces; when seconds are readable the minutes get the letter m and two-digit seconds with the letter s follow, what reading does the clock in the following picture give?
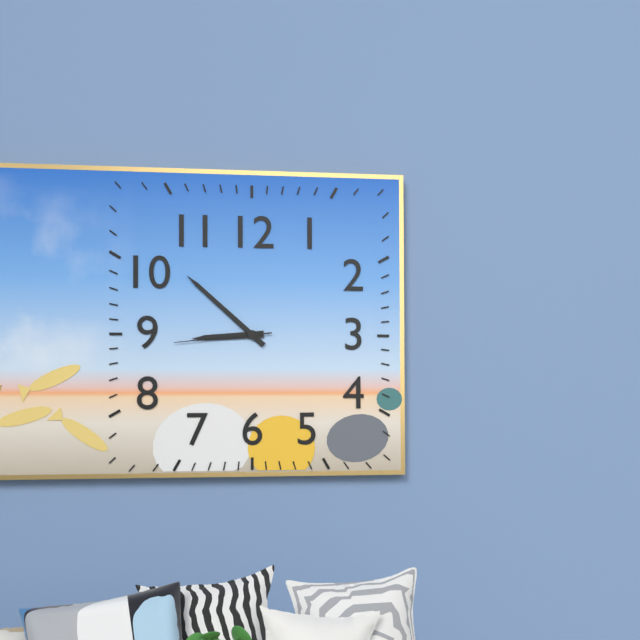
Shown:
8h52m44s
